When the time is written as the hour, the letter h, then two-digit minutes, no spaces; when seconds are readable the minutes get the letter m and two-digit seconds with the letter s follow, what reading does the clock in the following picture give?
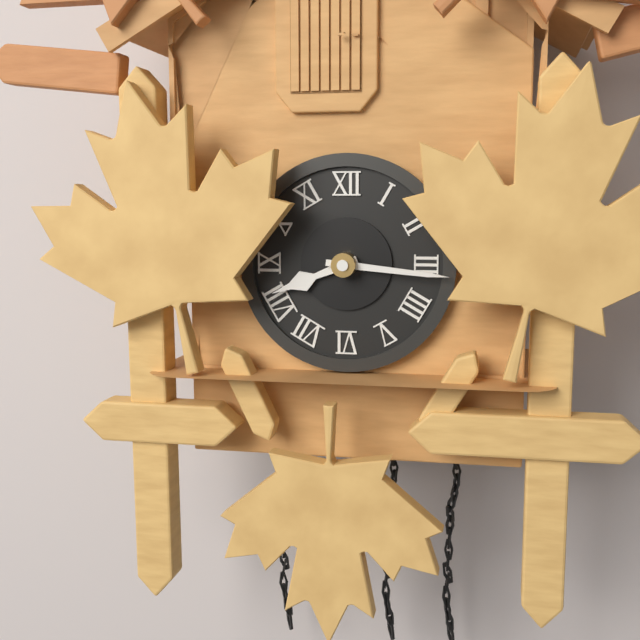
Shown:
8h16
